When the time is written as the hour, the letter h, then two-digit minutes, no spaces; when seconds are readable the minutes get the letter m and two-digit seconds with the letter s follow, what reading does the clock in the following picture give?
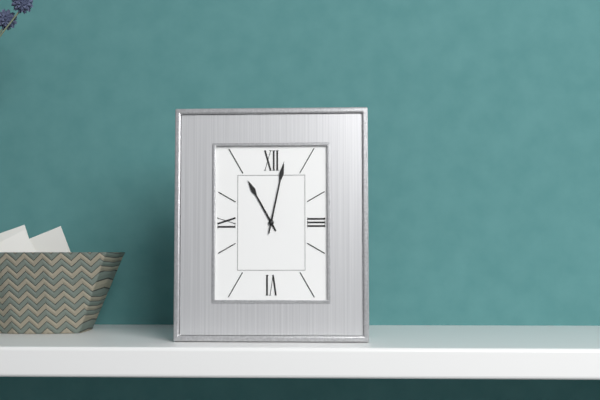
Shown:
11h02
